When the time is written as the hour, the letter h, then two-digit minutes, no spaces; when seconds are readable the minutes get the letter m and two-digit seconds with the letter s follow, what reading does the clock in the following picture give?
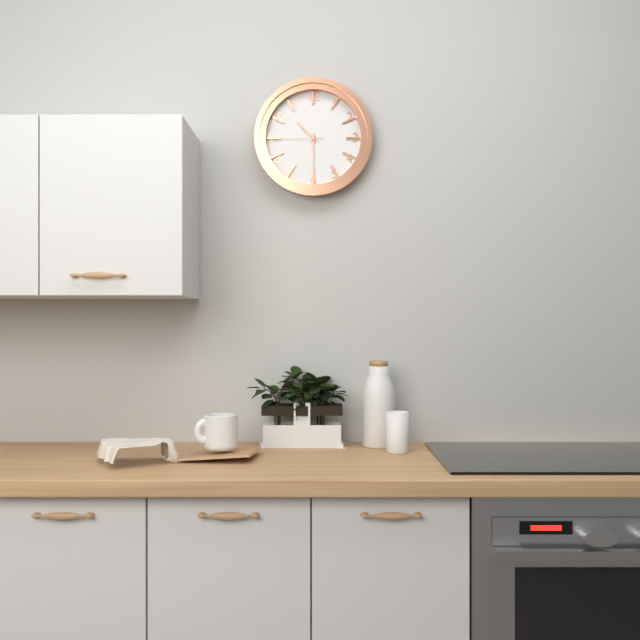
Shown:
10h30m45s
